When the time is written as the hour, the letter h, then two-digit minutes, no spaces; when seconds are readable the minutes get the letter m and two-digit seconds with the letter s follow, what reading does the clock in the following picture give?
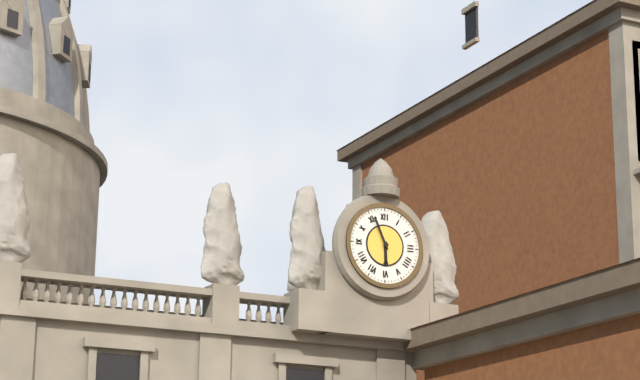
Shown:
5h56
